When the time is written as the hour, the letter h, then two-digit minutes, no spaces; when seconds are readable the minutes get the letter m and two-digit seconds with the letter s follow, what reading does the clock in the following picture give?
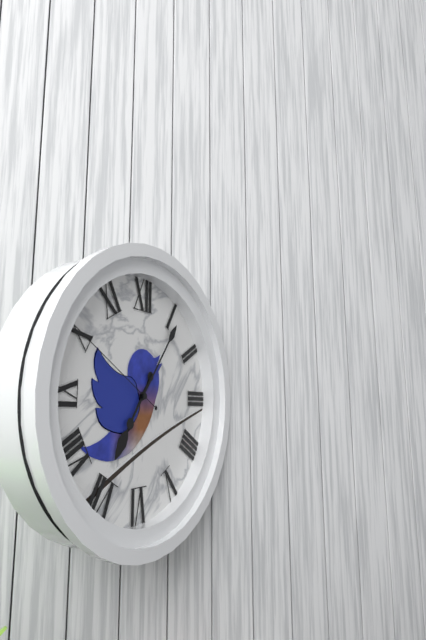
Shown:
7h06m50s
